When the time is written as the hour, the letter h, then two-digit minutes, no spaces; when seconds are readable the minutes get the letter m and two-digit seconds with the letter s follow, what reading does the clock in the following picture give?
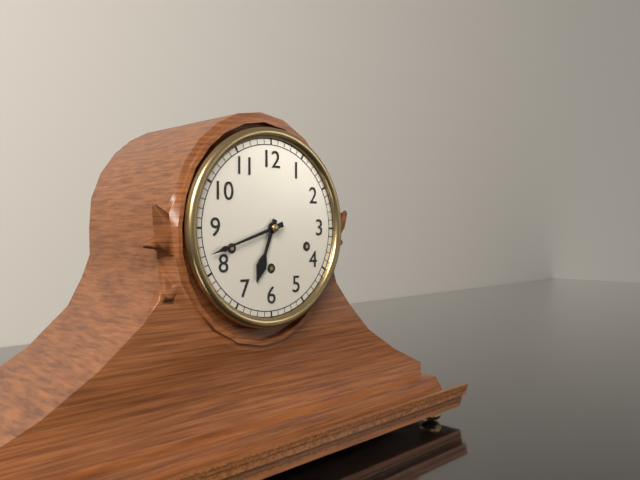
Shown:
6h42
